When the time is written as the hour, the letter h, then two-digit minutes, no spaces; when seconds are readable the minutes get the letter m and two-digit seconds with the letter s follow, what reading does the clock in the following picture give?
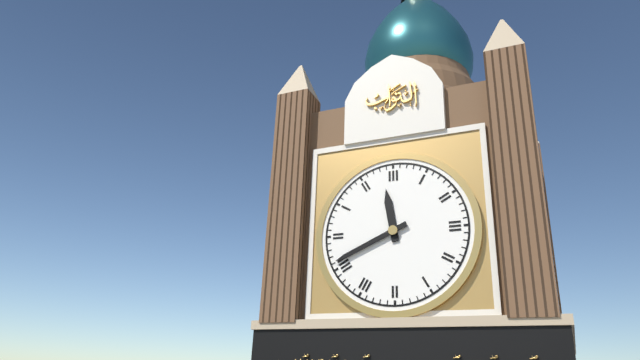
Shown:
11h41
